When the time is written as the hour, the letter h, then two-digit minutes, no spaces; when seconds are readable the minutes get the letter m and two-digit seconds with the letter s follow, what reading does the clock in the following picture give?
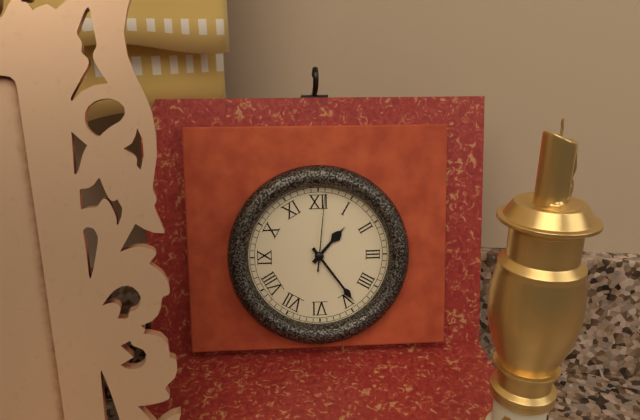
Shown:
1h24m01s
